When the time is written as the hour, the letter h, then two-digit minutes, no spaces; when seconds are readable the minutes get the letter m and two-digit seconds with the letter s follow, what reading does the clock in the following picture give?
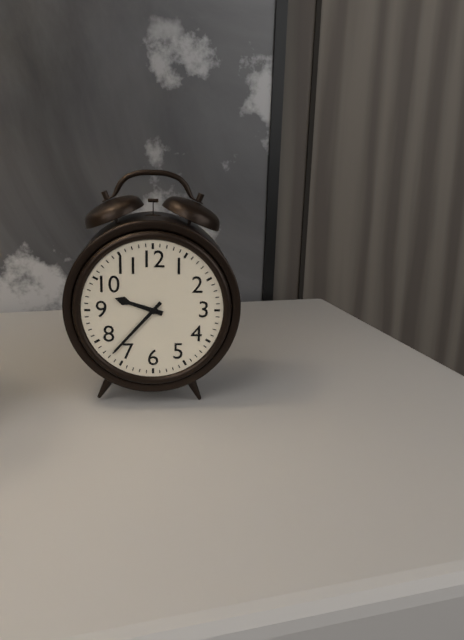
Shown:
9h37
